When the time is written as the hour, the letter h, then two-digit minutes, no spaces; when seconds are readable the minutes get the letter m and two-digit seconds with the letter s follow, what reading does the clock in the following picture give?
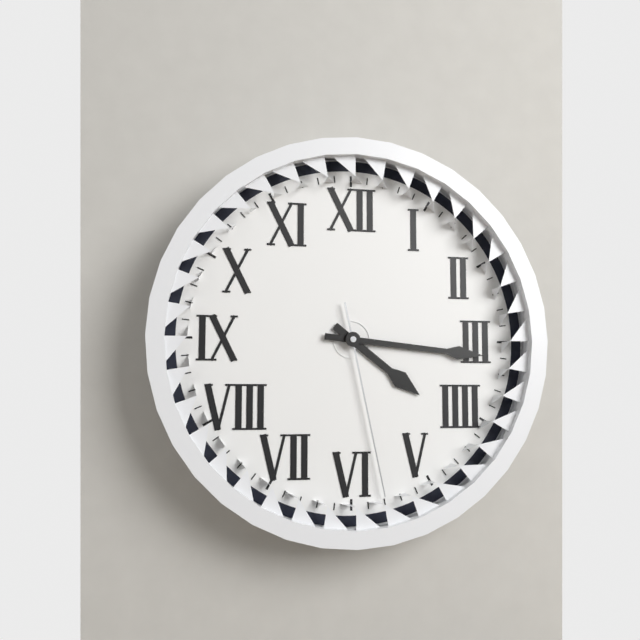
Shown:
4h16m28s
